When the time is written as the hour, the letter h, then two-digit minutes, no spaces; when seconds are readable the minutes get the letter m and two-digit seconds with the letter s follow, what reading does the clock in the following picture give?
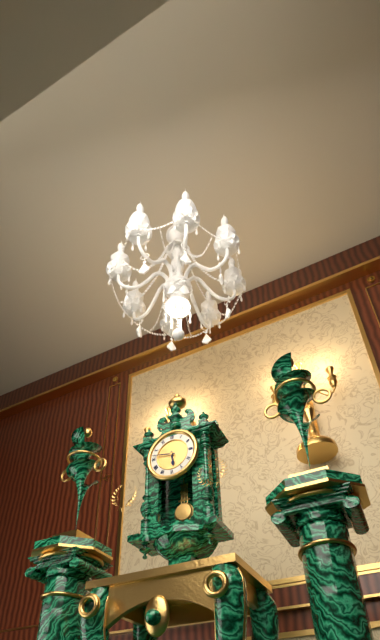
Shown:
5h47
